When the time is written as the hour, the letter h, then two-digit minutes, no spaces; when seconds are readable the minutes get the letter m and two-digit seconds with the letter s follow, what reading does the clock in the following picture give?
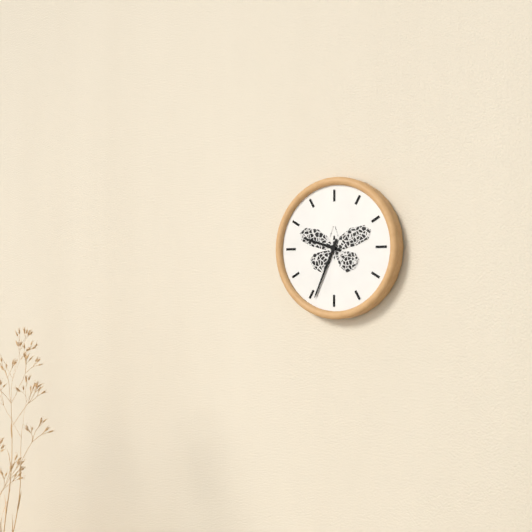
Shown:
9h34
